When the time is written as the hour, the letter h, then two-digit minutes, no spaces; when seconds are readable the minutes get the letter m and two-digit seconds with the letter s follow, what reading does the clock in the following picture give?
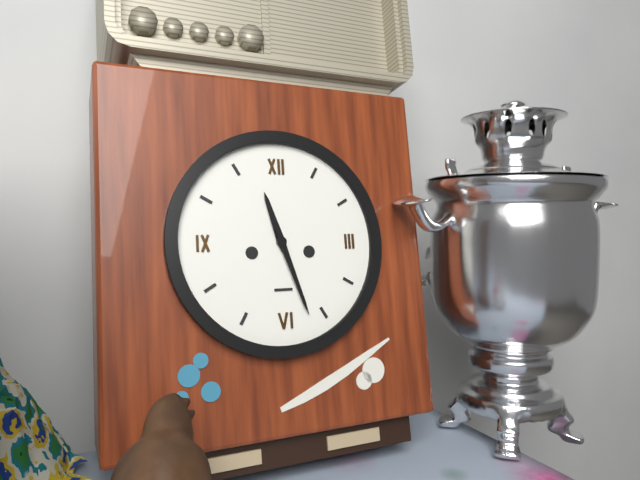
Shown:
11h27
